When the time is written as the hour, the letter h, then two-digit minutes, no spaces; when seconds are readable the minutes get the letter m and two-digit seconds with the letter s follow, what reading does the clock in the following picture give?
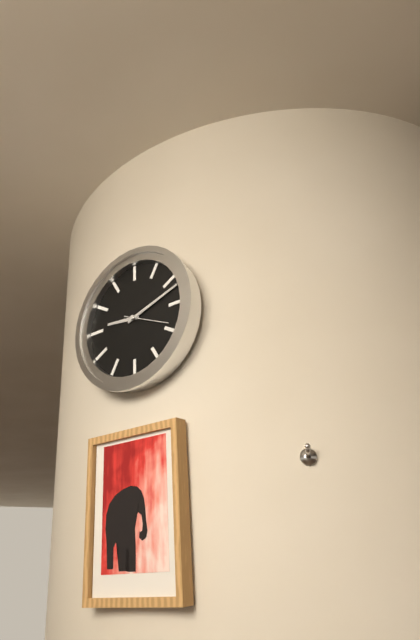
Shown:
9h12
